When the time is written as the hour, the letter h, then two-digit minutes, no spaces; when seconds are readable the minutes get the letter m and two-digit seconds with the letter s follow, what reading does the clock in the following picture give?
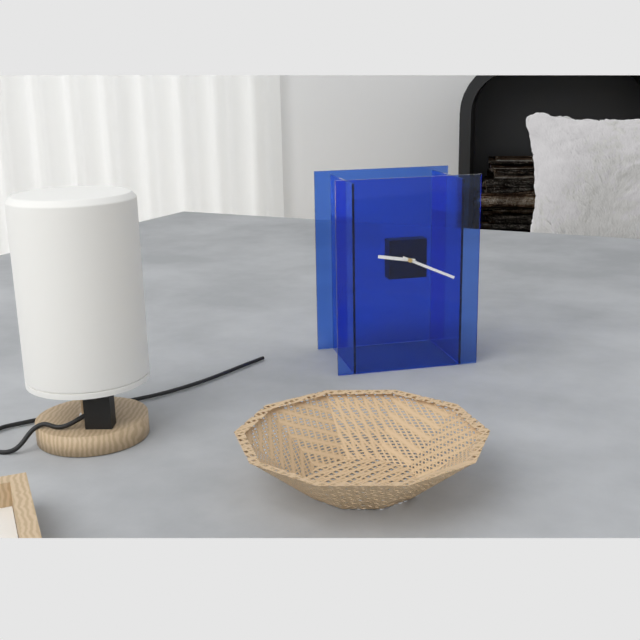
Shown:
9h19
